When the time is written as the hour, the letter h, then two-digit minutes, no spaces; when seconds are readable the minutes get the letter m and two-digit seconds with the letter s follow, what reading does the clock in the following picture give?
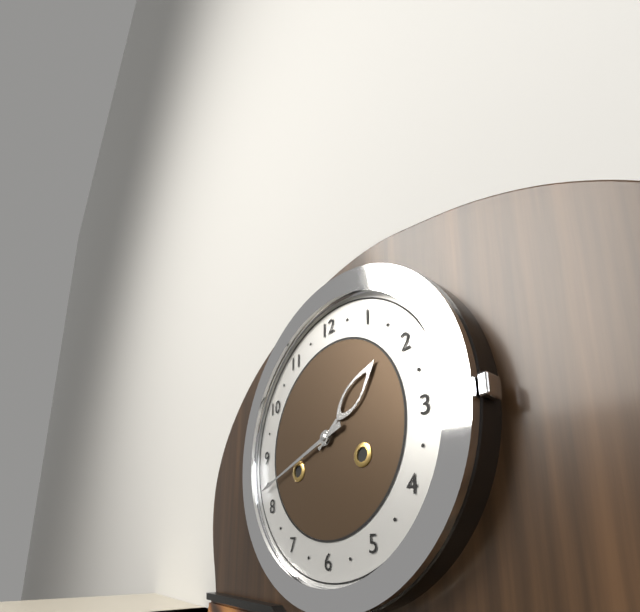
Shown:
1h42
